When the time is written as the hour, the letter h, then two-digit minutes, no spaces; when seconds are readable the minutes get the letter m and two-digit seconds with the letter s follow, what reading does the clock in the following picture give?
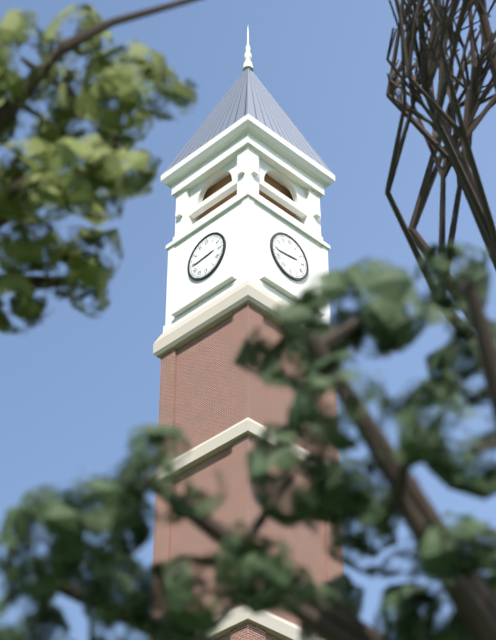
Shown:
2h44
